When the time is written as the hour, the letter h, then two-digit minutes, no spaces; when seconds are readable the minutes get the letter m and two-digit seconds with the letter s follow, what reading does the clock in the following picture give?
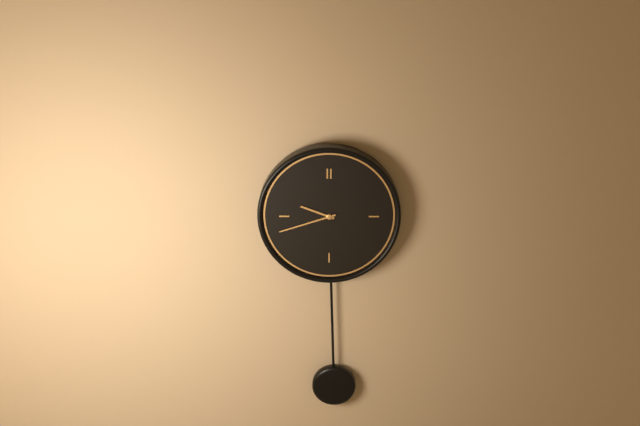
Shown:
9h42
